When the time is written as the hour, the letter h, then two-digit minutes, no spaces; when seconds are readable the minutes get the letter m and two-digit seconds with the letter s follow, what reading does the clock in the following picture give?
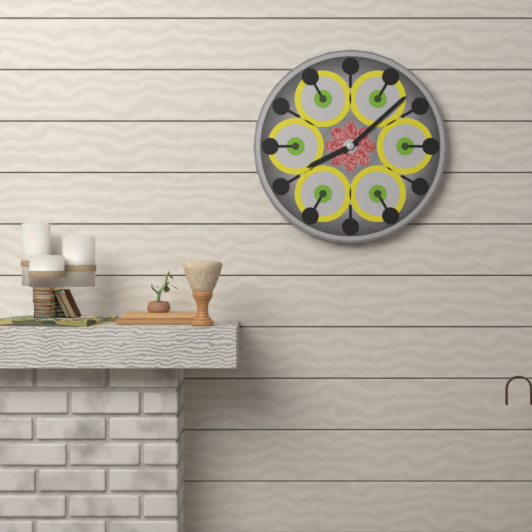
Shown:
8h08
